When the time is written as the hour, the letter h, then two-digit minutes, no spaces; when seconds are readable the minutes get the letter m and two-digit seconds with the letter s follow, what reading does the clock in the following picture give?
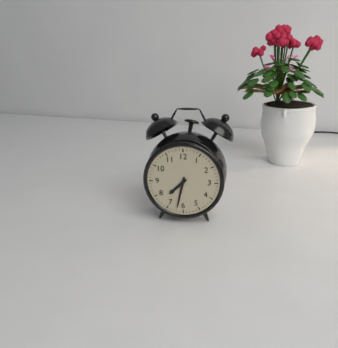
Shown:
7h32
